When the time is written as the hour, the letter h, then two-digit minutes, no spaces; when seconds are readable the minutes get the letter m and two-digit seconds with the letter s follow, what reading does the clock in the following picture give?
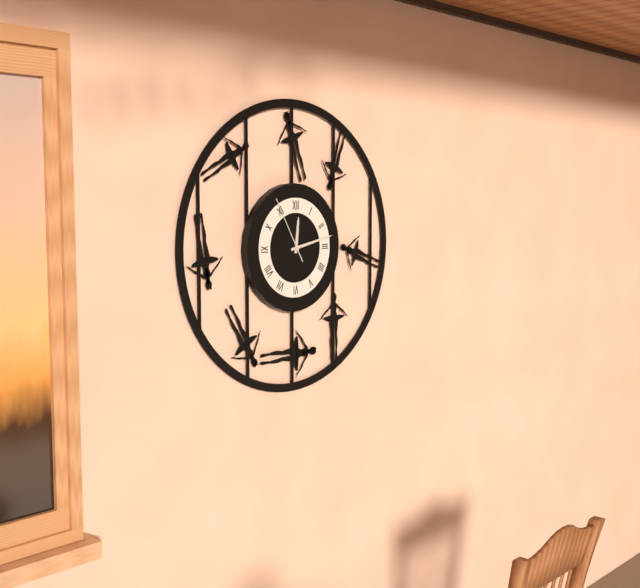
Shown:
12h13m55s
